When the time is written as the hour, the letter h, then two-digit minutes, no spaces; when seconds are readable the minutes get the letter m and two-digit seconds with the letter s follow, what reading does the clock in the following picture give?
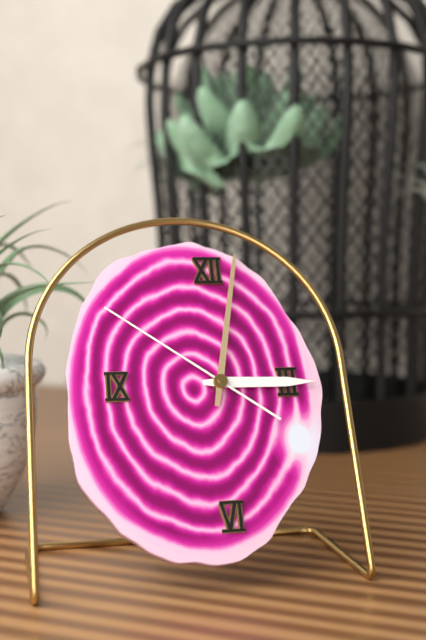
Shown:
3h02m51s
